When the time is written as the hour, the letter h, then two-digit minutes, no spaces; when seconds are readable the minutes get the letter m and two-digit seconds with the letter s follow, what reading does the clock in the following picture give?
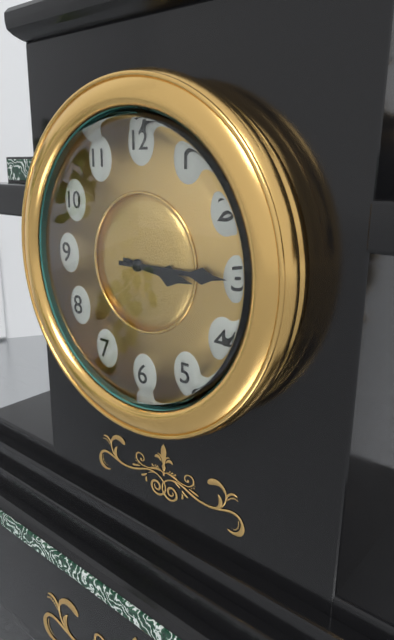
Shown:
3h15
